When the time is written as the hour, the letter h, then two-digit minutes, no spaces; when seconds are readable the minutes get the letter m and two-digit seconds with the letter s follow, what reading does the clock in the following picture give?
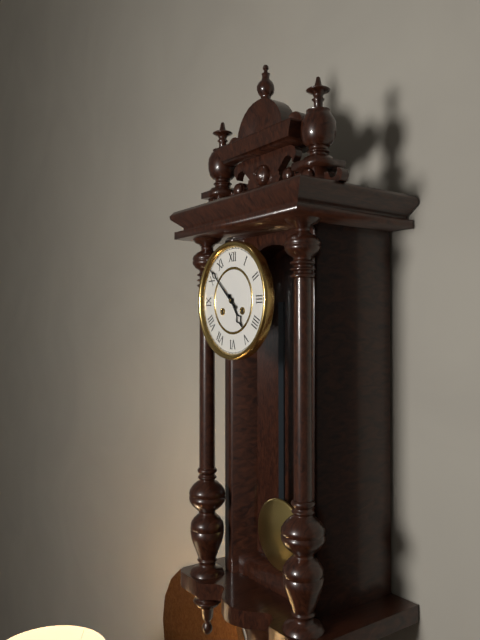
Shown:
4h52
